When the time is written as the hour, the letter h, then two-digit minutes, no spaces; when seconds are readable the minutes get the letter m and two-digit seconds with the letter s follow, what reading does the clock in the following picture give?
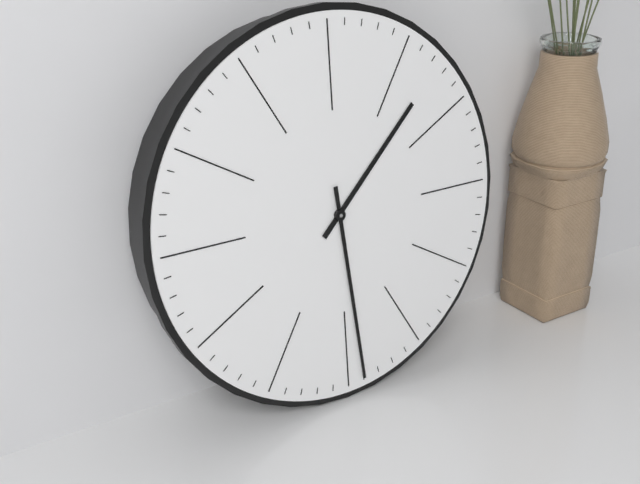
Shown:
1h29
